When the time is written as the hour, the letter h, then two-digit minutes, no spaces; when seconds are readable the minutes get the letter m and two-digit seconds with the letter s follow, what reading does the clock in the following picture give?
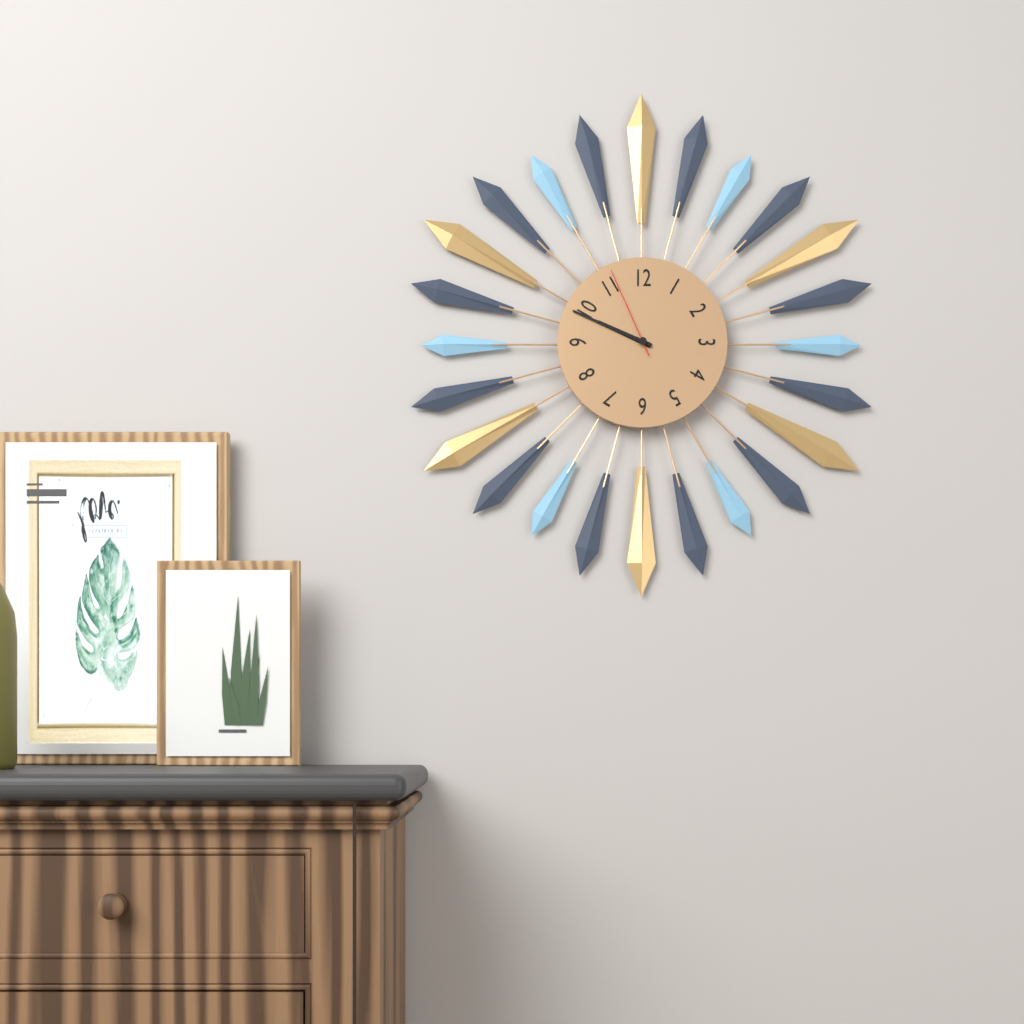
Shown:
9h49m56s
